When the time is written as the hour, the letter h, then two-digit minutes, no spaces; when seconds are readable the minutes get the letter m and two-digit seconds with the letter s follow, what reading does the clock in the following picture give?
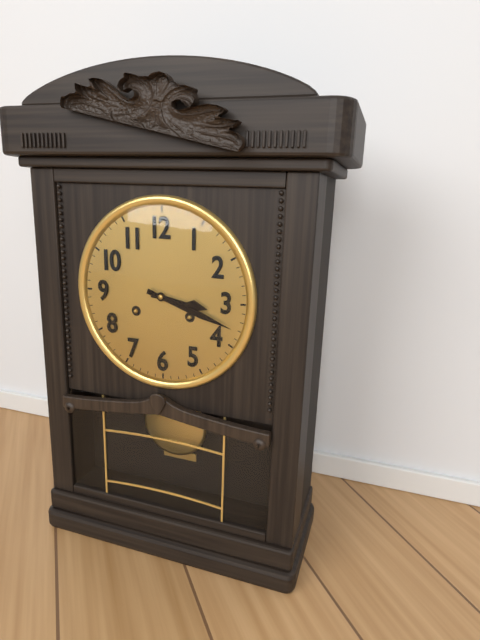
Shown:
3h18
